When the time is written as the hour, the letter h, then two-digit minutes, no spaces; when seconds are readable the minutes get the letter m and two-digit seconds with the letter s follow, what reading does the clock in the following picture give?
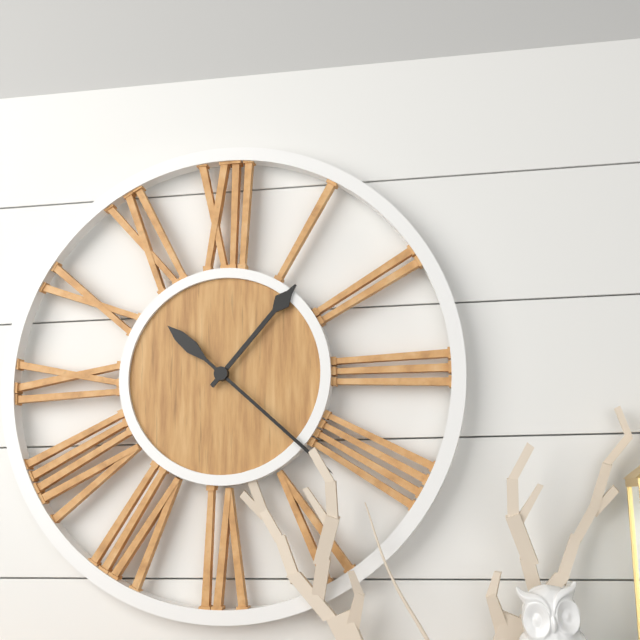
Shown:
1h22
